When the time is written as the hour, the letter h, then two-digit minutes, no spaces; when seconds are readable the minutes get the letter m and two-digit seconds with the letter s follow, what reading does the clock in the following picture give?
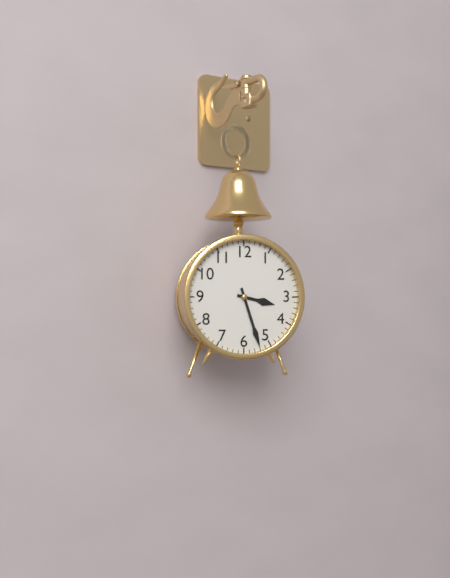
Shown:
3h27
